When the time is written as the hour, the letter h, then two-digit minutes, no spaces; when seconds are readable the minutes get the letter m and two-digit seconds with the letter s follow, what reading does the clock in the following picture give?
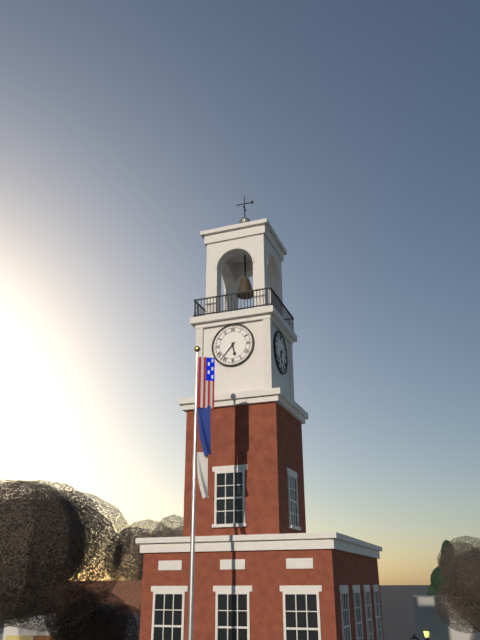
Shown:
5h37
